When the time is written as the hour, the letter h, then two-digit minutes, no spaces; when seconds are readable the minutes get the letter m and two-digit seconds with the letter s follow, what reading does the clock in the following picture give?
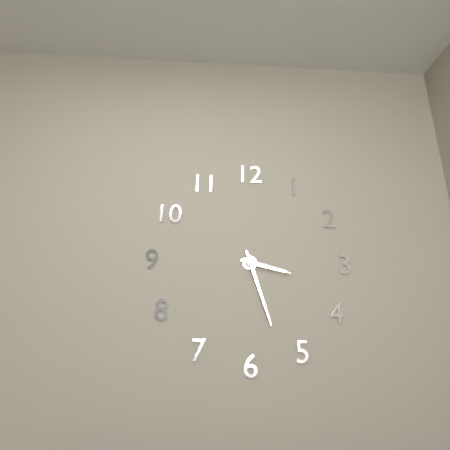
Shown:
3h27
